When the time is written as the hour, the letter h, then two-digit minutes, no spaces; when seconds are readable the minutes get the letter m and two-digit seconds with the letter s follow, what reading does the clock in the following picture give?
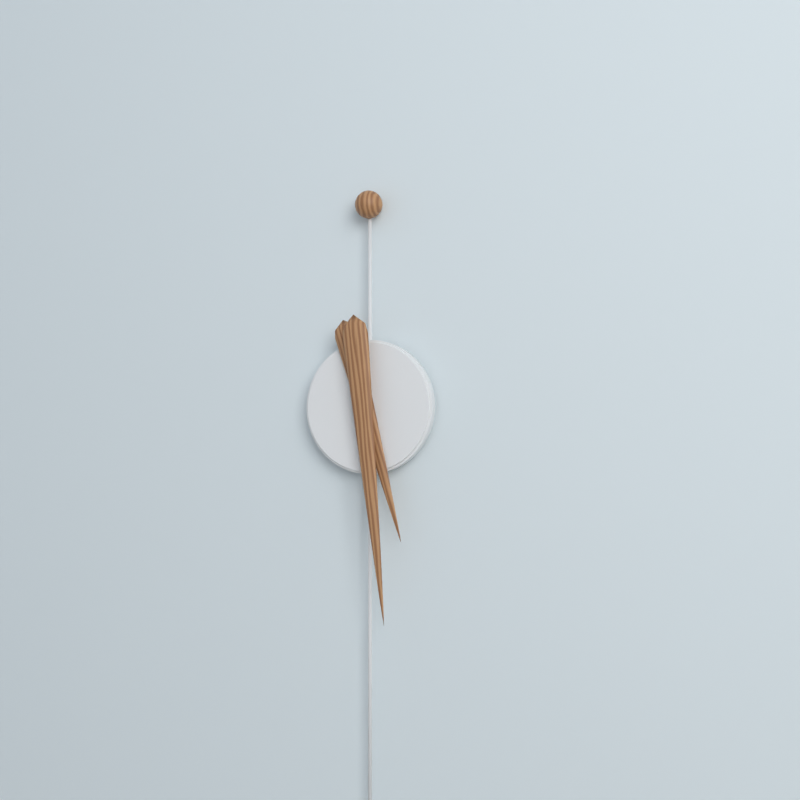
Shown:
5h29
